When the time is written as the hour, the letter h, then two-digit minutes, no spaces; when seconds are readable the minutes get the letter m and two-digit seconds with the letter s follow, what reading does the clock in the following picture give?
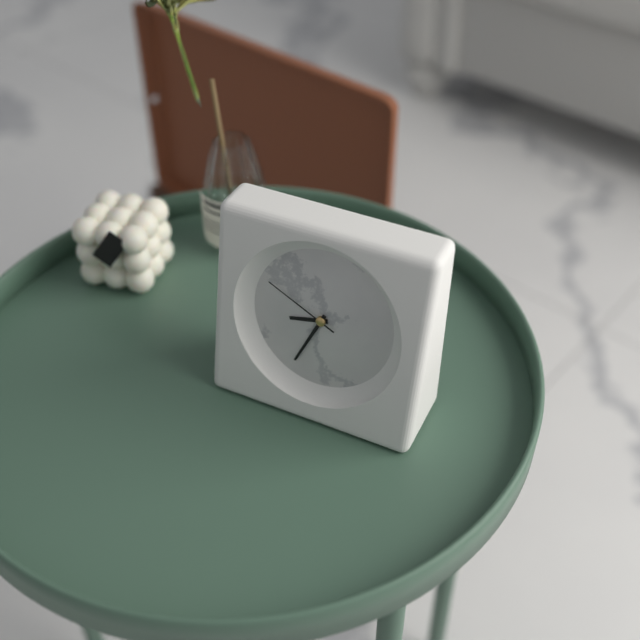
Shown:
8h34m49s
